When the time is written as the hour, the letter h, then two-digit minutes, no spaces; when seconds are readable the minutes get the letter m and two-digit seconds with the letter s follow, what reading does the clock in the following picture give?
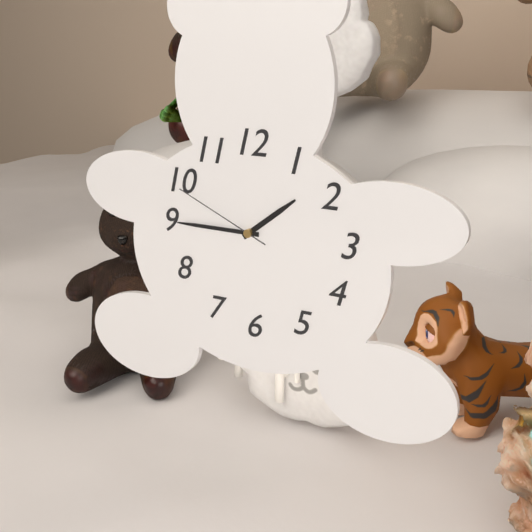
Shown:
1h45m49s
